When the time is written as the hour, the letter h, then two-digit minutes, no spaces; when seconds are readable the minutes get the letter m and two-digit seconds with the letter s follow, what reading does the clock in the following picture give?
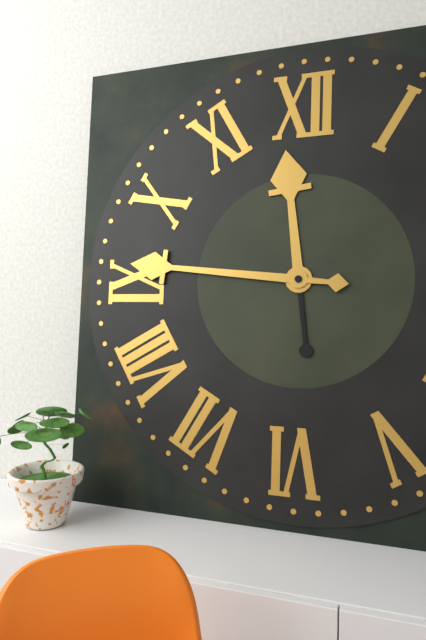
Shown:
11h46
